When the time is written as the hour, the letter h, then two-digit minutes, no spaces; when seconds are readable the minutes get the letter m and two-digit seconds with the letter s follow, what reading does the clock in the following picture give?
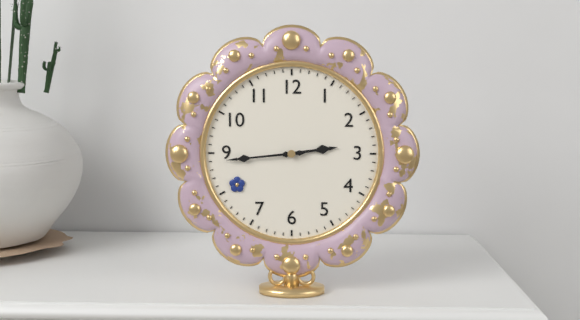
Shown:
2h44
